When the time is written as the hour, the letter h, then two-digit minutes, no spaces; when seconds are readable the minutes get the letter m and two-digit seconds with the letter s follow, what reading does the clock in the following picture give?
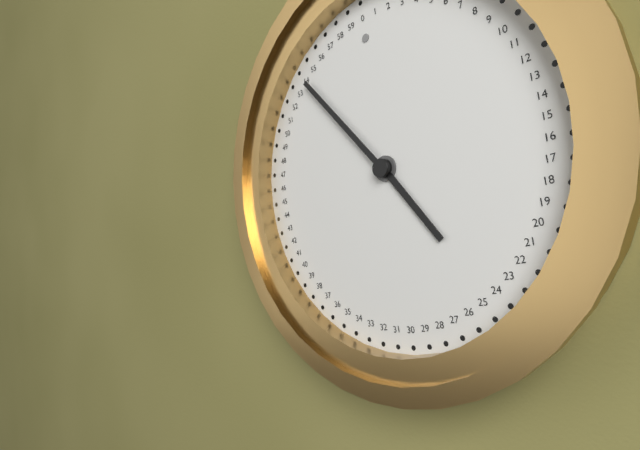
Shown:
4h54
